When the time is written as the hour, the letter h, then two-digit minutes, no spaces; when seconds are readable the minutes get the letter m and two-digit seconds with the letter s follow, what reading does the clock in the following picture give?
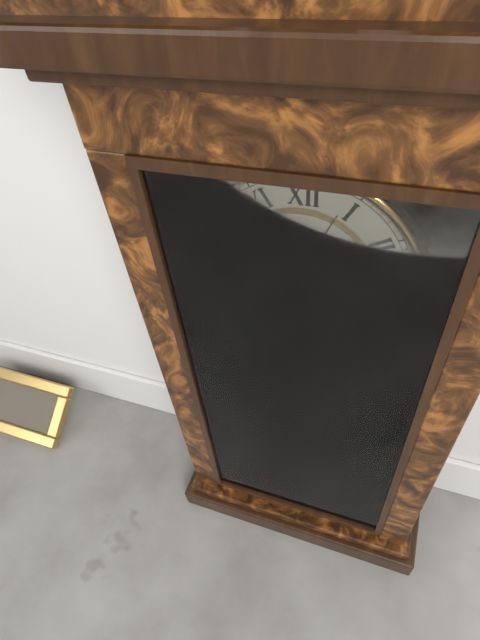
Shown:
4h04
